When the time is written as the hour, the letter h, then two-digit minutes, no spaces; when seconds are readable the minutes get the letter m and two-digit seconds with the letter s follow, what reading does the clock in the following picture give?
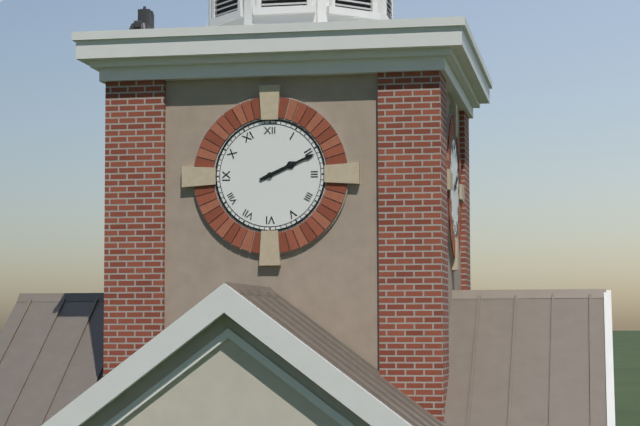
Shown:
2h11
